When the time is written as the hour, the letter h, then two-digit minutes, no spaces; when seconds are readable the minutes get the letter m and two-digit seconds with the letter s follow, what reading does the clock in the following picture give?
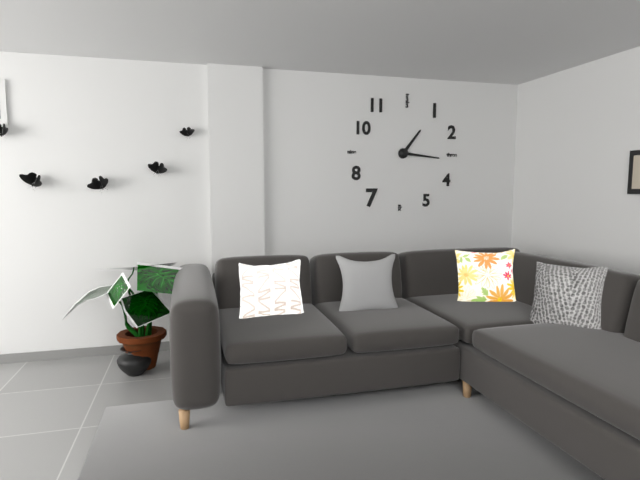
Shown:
1h16
